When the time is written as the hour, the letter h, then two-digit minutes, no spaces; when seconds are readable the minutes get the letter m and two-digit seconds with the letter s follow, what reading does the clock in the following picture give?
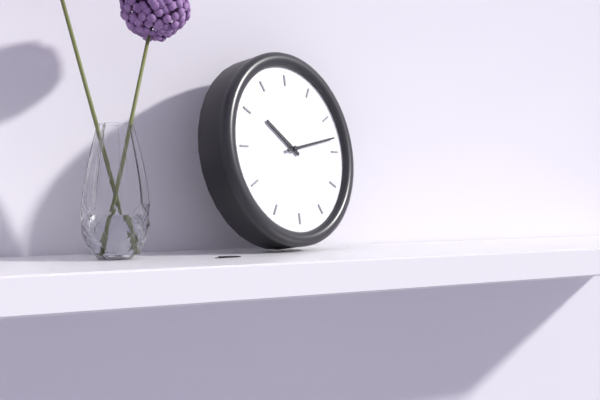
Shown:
10h13
